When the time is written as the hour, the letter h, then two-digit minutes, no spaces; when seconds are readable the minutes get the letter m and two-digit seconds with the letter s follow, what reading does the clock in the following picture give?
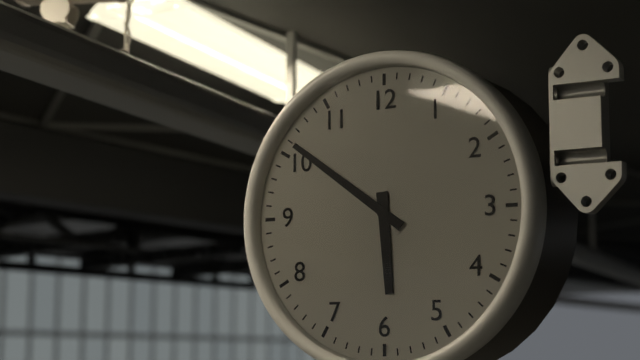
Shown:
5h51
